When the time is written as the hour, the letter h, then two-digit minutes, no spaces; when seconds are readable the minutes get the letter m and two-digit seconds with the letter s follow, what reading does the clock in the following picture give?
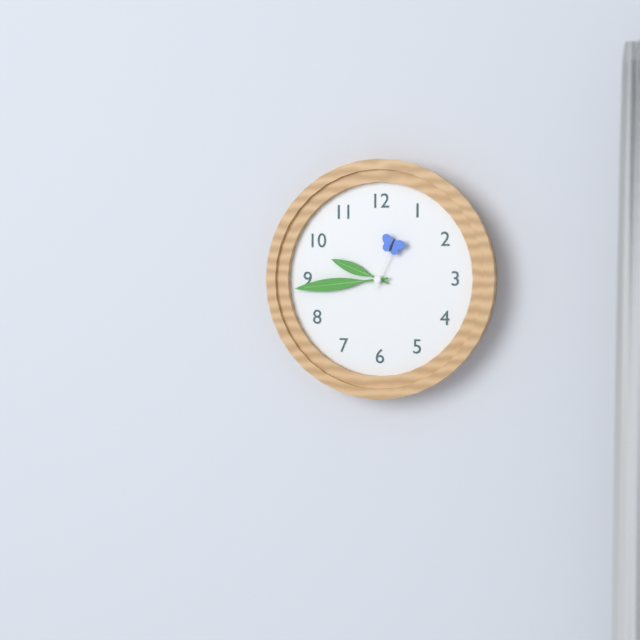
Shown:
9h44m04s
